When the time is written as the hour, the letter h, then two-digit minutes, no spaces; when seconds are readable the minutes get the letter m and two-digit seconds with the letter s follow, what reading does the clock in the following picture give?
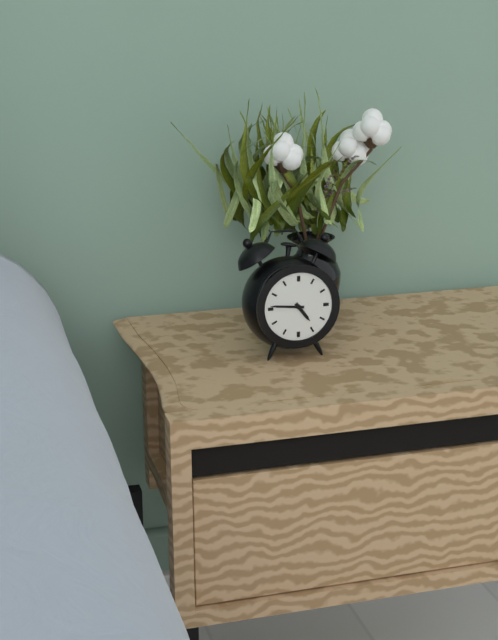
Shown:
4h46
